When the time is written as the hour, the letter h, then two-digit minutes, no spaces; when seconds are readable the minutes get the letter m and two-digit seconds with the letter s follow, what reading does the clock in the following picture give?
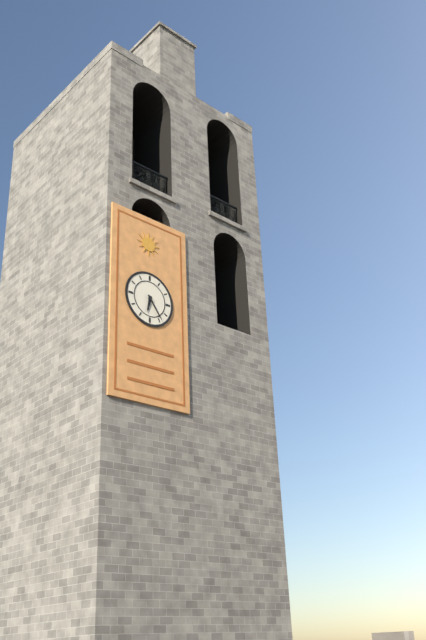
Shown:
6h24
